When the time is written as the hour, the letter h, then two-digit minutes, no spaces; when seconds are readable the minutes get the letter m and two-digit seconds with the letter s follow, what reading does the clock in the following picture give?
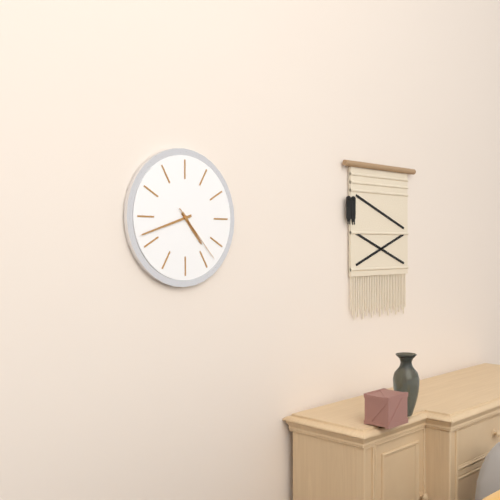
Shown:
4h42m23s
